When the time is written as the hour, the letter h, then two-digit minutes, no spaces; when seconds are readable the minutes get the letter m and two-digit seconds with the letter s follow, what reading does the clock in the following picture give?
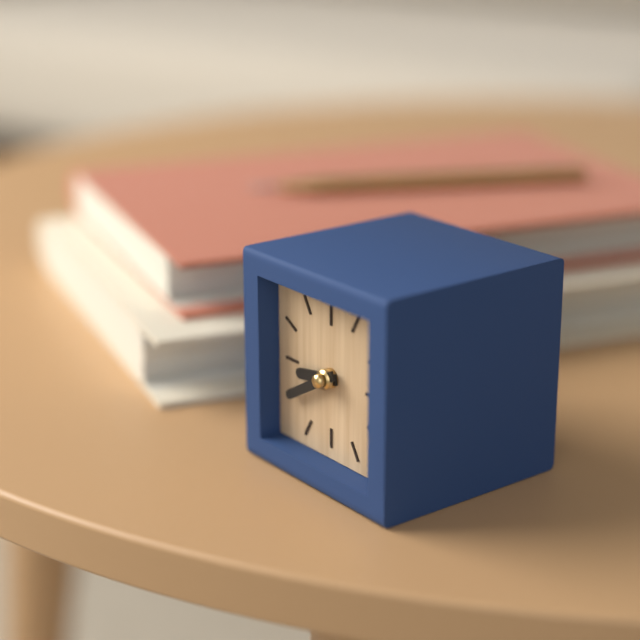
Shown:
8h40
